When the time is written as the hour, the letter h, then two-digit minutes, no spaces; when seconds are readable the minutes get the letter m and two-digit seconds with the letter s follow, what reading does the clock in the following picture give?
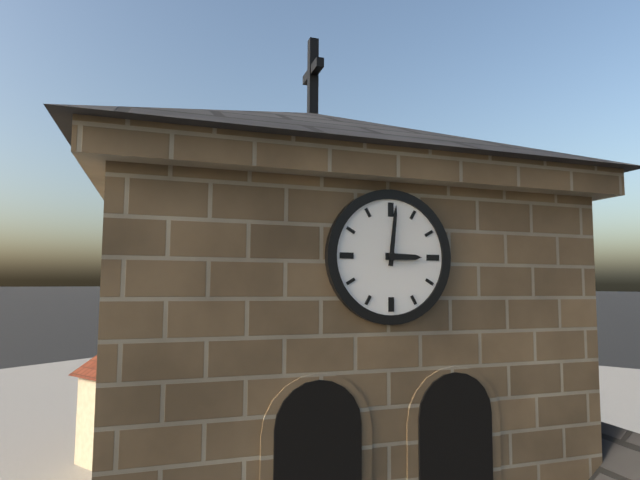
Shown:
3h01
